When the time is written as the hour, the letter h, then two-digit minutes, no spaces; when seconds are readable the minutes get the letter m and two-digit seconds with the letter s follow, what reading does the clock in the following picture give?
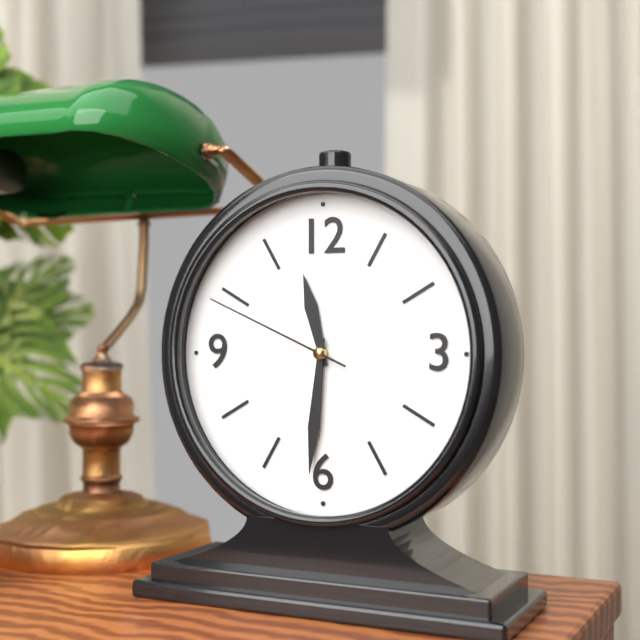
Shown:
11h31m49s
